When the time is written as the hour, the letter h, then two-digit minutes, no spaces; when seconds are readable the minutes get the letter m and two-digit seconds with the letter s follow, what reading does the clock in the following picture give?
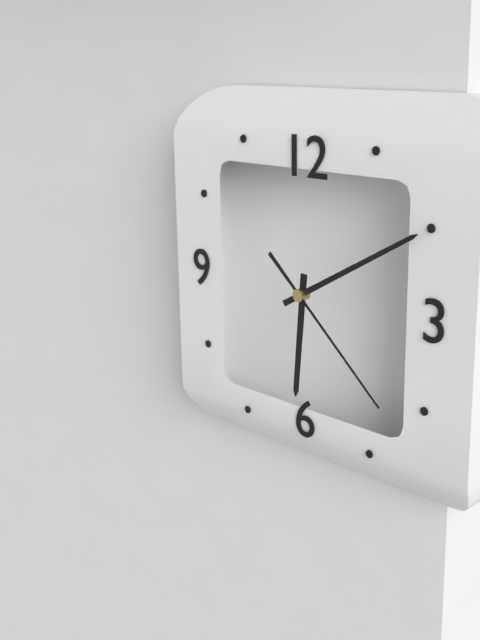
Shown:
6h10m22s
